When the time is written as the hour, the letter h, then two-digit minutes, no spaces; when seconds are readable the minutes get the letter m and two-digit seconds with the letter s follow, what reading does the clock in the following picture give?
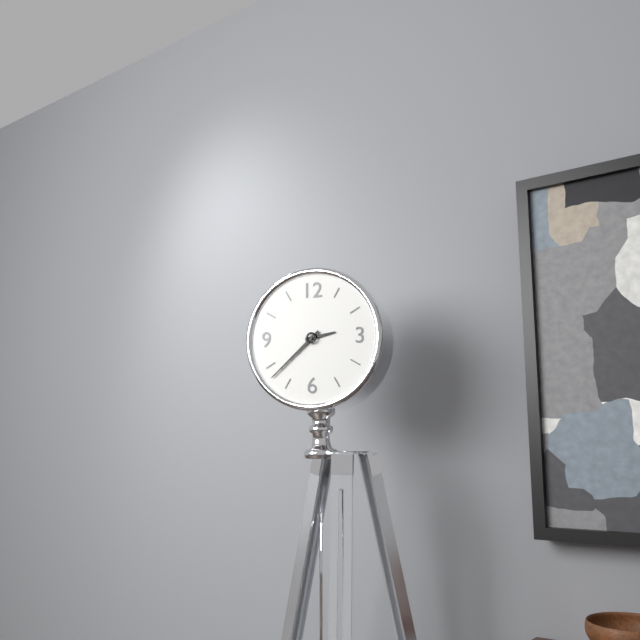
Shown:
2h38
